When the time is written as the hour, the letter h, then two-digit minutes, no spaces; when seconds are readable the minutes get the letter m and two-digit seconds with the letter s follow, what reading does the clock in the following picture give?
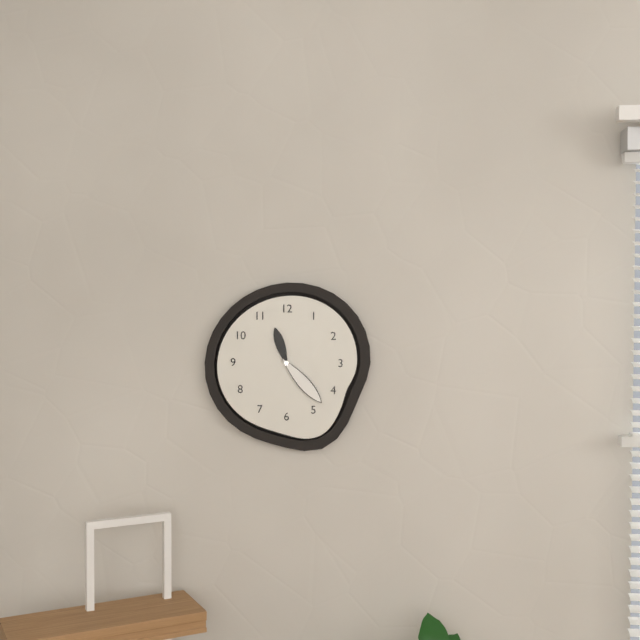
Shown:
11h23
